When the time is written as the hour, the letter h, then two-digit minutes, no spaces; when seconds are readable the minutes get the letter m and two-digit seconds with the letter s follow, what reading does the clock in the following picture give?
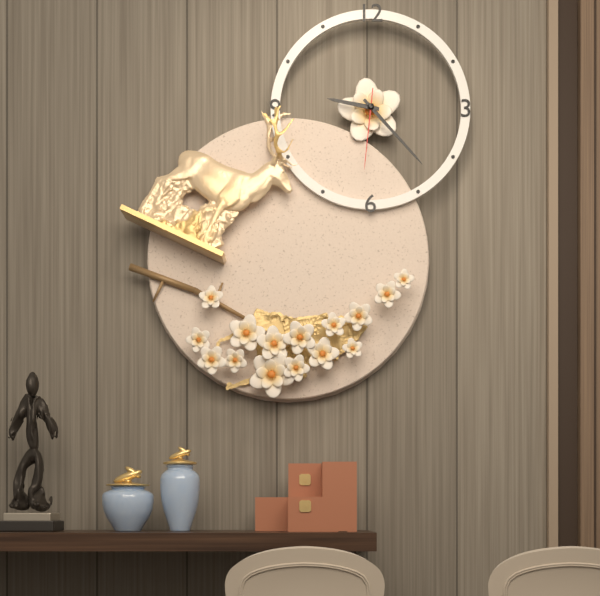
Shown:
9h23m31s
